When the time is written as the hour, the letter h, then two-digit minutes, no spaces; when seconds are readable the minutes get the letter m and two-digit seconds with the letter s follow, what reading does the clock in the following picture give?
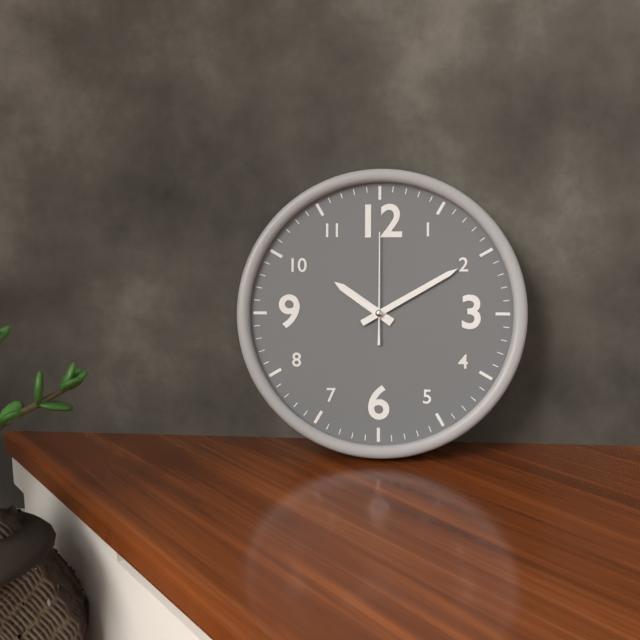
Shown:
10h10m00s
